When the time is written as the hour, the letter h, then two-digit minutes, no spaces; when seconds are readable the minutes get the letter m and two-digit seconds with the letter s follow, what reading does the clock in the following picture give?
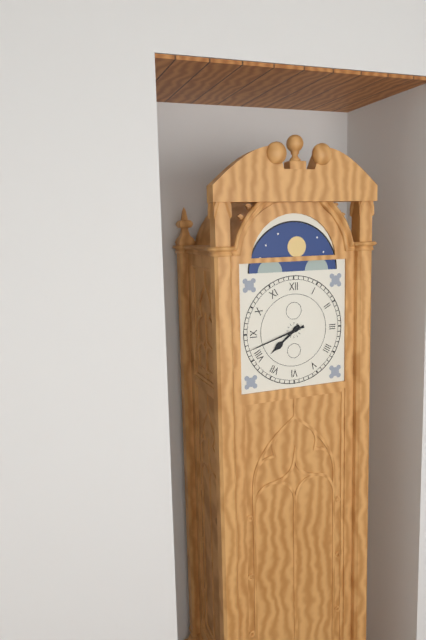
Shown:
7h42
